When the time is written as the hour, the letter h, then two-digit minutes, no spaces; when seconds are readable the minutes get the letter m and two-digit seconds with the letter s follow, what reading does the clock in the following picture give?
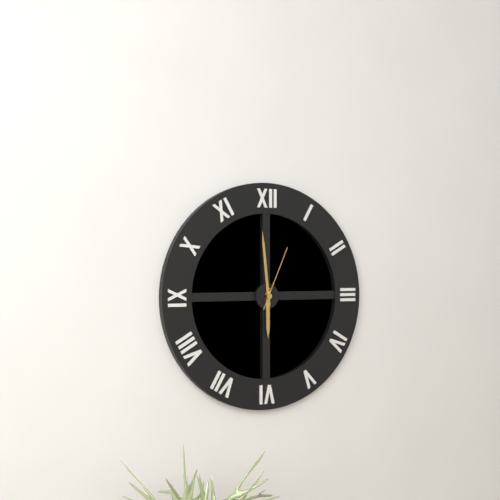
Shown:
5h59m04s
